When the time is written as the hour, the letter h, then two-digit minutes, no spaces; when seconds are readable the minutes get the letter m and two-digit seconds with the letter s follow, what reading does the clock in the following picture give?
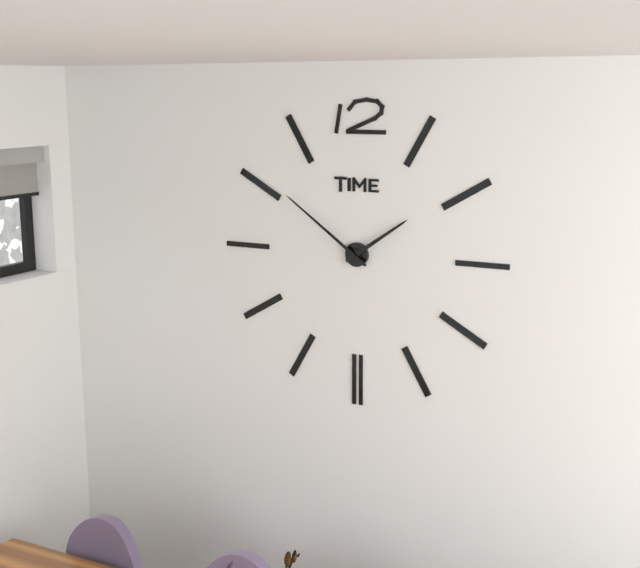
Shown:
1h51
